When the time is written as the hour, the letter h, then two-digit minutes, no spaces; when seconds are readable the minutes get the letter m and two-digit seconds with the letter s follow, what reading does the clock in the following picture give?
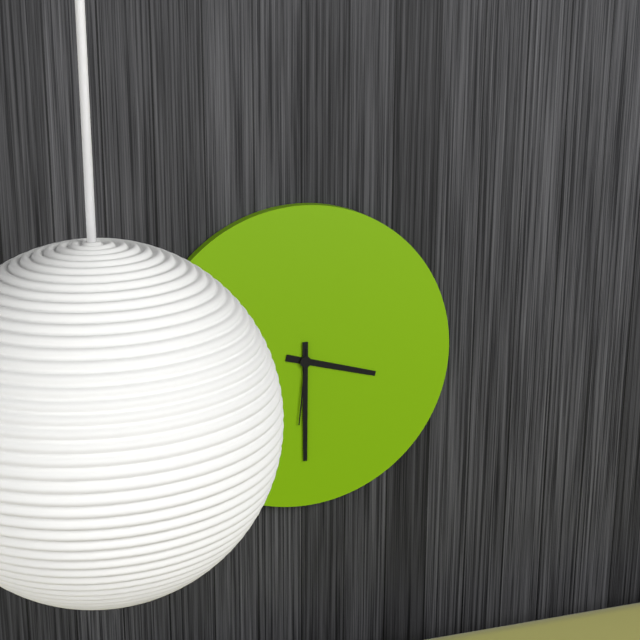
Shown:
3h30m31s
